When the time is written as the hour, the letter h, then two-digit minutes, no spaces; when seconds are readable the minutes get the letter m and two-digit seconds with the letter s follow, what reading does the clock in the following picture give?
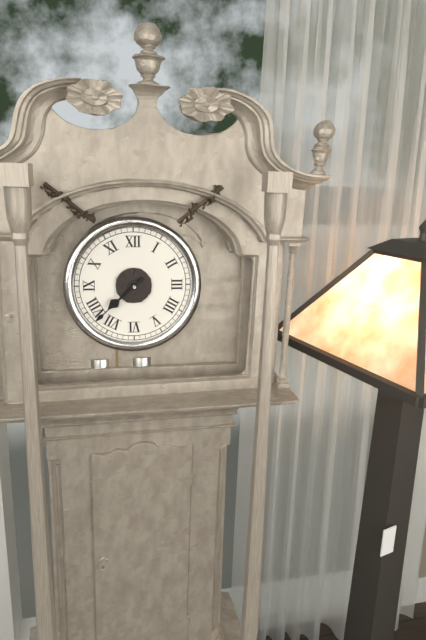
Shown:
7h38
